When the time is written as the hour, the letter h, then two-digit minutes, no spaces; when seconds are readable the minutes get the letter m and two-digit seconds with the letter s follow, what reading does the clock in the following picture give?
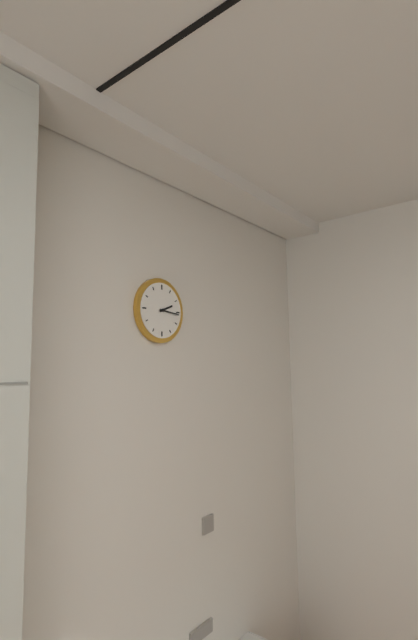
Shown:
2h16
